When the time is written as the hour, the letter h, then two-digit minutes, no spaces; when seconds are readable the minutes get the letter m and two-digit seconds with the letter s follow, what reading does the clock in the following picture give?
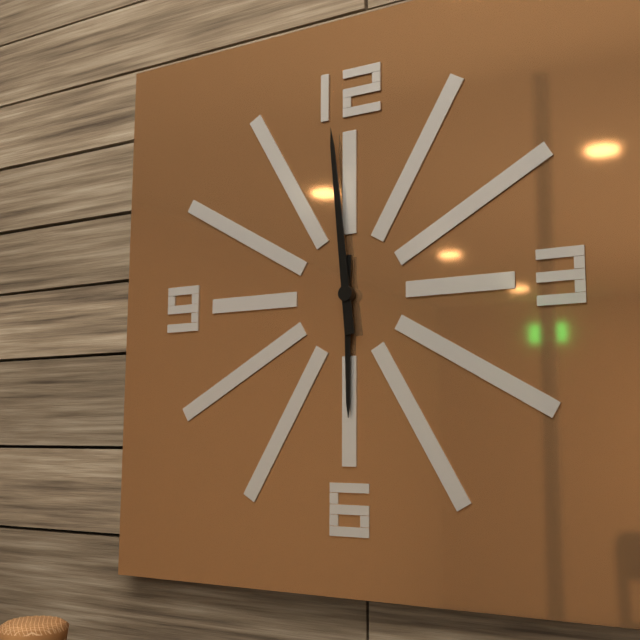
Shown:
5h59
